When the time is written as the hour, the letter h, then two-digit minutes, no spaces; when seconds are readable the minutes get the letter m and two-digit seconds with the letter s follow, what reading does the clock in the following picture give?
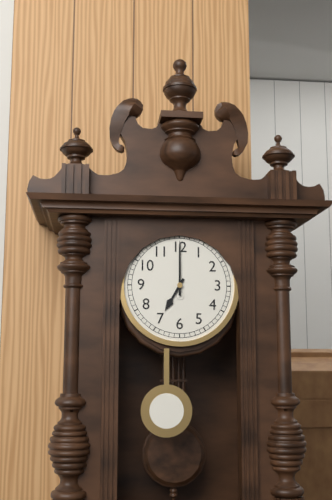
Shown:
7h00
